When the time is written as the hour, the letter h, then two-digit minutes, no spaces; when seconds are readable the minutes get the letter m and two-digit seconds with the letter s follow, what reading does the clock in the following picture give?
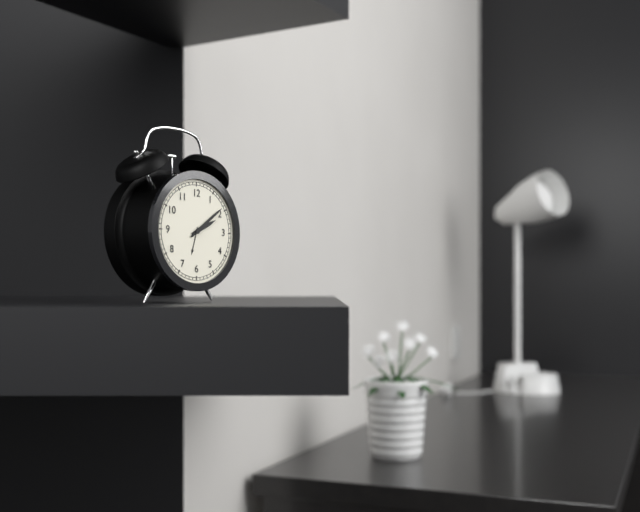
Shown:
2h09
